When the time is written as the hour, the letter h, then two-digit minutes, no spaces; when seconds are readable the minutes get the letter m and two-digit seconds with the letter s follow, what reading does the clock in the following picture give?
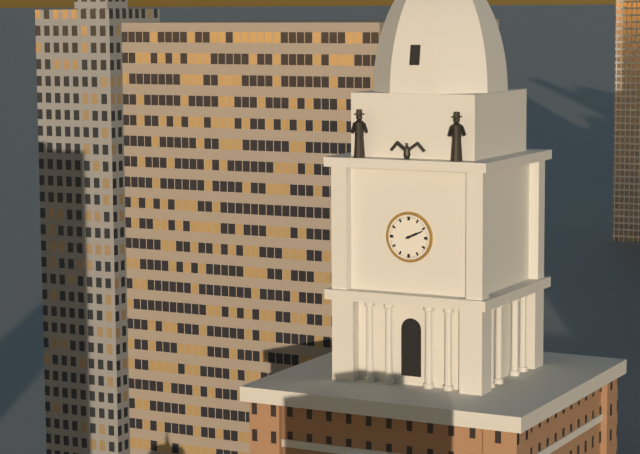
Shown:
2h11
